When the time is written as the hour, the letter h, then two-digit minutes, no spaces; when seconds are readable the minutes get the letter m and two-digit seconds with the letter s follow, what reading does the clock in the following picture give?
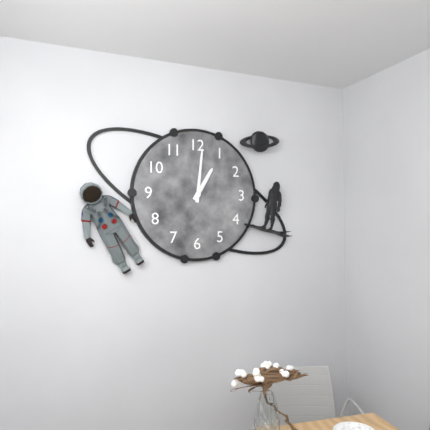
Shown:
1h01
